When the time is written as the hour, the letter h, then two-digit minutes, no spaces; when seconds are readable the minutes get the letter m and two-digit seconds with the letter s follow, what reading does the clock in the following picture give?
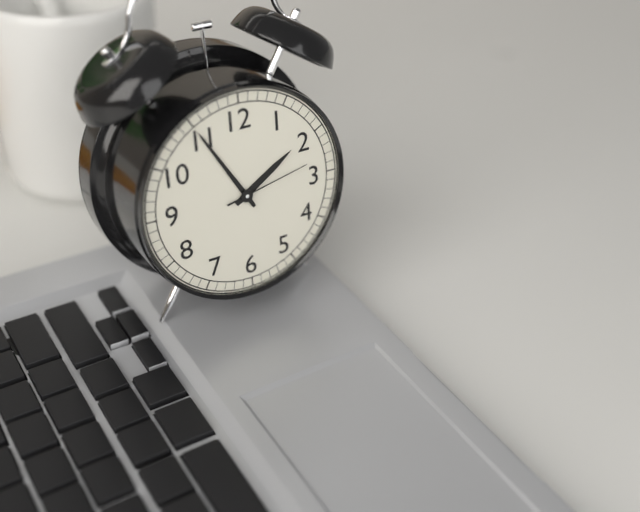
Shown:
1h55m13s
